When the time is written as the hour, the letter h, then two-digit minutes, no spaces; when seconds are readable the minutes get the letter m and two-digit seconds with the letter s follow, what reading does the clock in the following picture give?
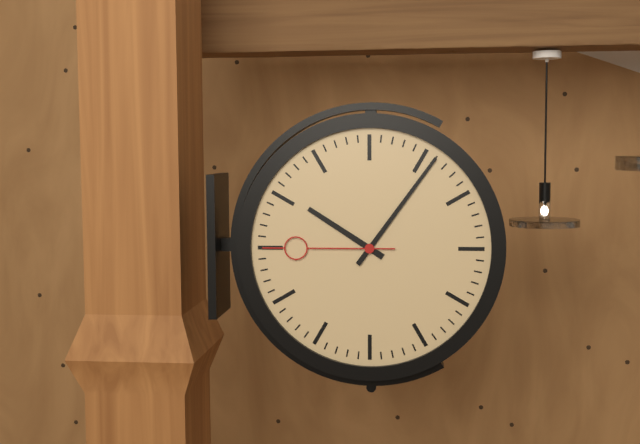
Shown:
10h06m45s
